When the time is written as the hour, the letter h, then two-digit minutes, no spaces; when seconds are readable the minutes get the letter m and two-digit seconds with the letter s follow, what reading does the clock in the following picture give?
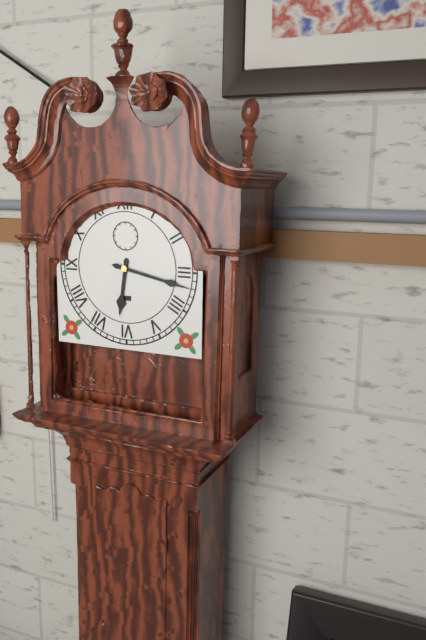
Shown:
6h17
